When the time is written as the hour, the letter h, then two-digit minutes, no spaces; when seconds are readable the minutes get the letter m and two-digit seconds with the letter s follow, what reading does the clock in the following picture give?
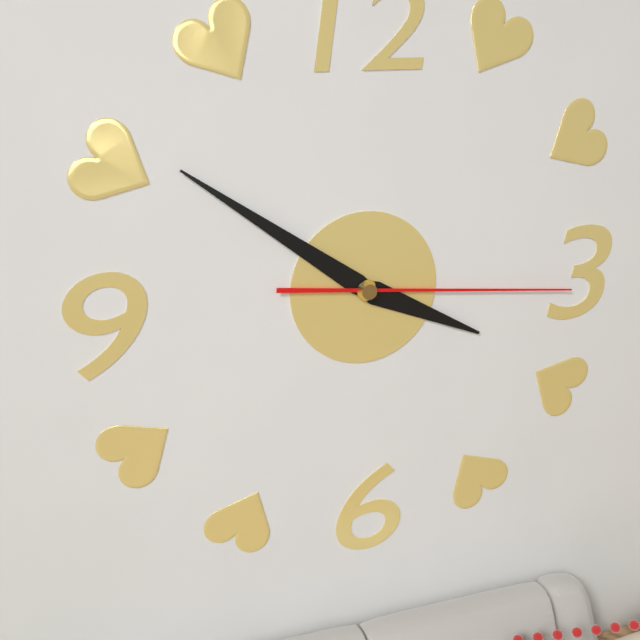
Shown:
3h51m16s
